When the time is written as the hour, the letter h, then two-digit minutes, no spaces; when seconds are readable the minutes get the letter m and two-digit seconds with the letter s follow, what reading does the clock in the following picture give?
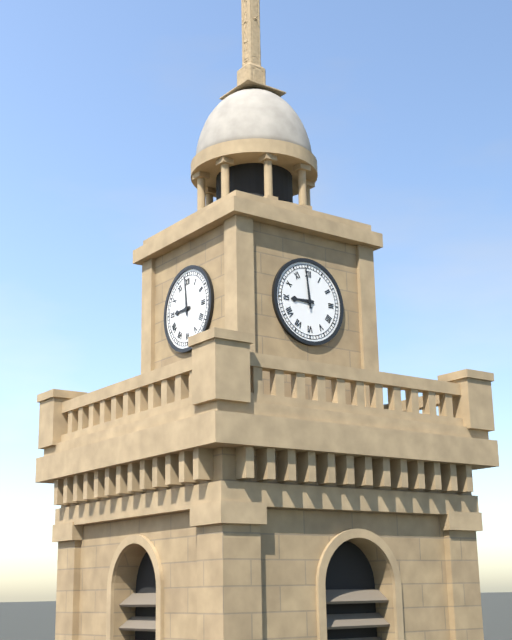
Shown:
8h59
